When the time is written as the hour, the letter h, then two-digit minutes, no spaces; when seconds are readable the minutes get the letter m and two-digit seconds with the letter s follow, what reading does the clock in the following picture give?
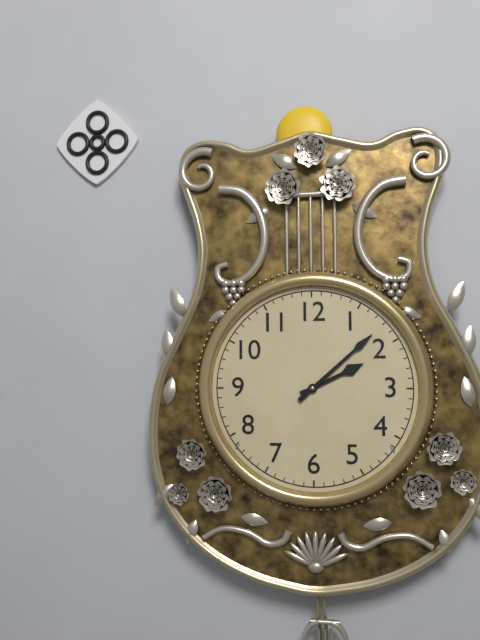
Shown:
2h08
